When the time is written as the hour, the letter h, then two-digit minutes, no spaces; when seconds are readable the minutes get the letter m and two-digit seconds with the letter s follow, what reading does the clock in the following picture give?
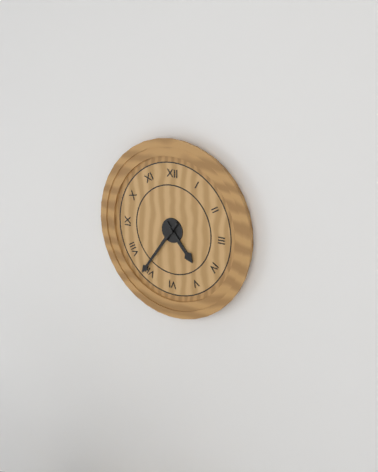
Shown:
4h36
